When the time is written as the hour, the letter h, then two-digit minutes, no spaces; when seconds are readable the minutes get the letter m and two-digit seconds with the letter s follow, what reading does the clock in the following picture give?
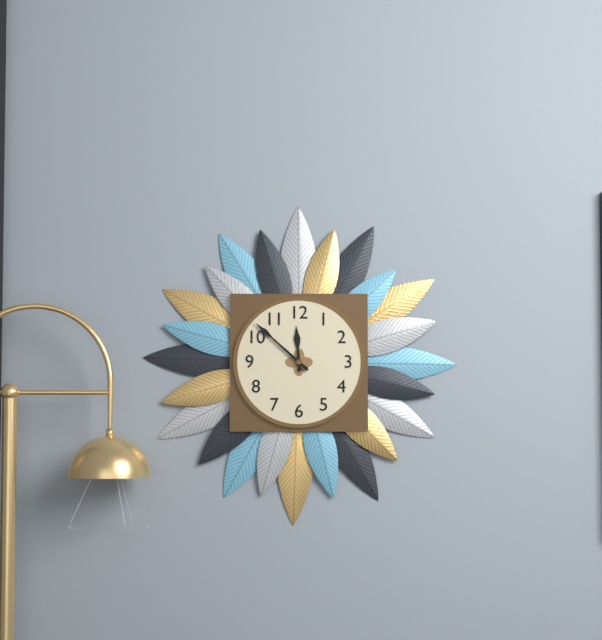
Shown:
11h52
